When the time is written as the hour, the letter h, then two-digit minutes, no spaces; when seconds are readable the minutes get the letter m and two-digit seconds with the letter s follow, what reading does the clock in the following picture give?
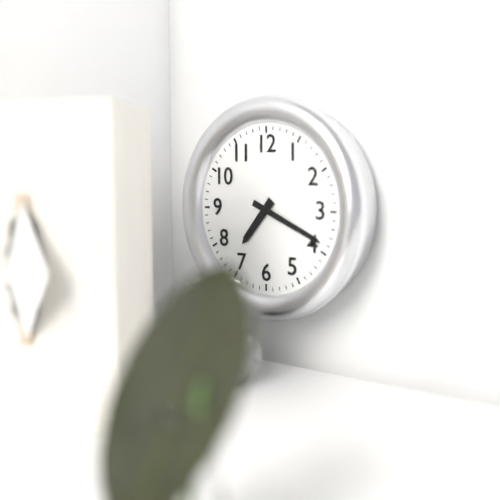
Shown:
7h19
